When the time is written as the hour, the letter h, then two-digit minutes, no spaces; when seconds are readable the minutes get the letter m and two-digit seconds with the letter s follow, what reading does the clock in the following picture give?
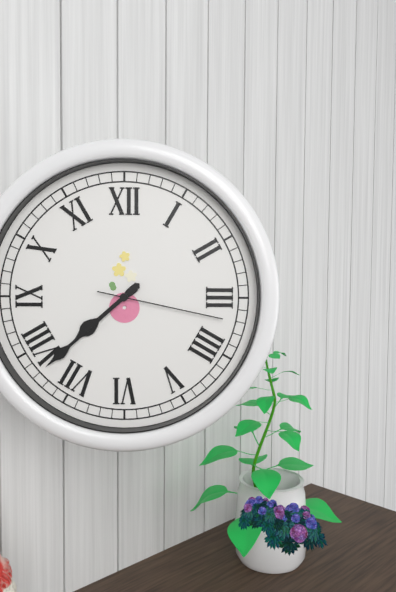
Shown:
7h38m17s
